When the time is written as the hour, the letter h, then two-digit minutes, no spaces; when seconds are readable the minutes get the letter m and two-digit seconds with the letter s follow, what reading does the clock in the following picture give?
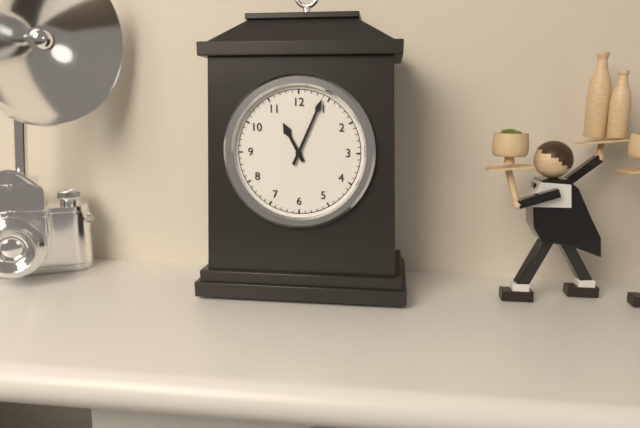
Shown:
11h04
